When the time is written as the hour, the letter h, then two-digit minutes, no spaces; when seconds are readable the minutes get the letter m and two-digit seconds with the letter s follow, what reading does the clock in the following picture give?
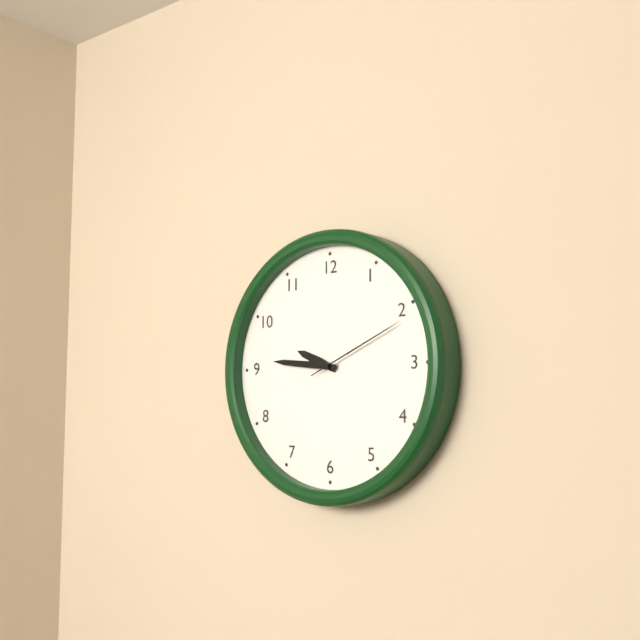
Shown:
9h46m11s
